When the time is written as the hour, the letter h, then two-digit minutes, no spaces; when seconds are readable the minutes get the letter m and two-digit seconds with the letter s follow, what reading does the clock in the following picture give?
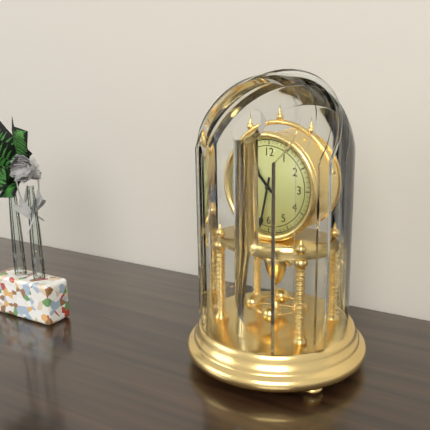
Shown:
10h32
